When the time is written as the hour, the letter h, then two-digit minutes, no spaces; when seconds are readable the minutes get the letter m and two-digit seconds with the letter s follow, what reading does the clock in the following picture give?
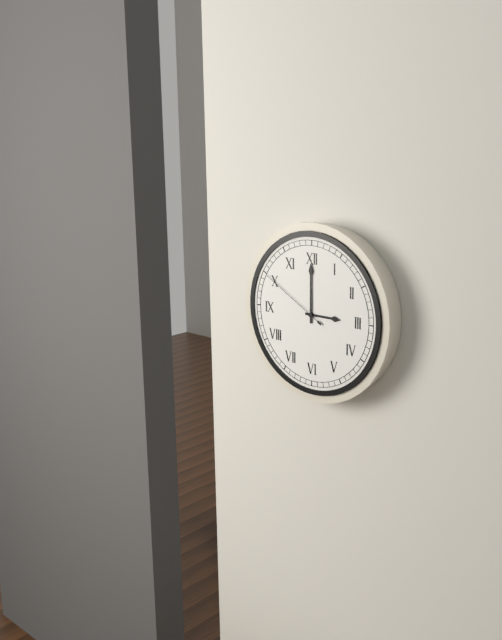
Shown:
3h00m50s
